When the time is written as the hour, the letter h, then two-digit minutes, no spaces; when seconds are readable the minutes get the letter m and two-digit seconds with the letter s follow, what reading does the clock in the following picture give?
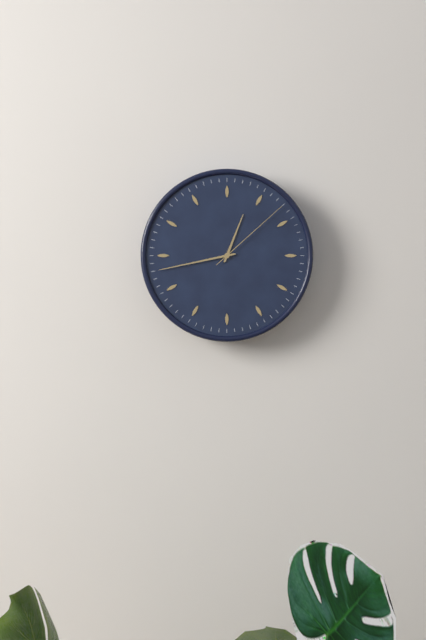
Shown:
12h43m08s
